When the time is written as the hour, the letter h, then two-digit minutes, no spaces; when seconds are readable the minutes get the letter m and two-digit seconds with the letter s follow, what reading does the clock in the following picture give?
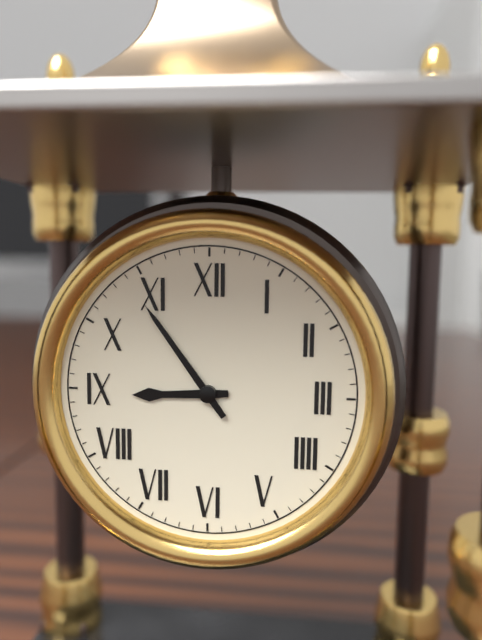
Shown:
8h54
